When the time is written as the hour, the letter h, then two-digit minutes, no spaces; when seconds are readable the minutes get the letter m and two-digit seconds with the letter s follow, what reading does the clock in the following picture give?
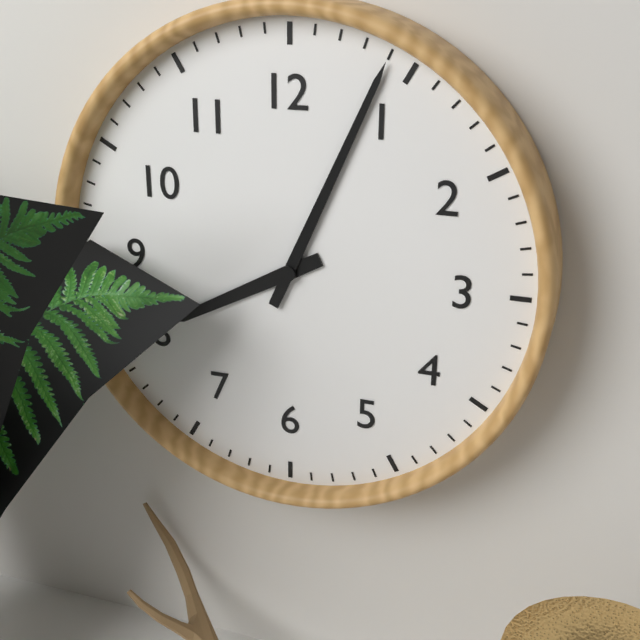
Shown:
8h04
